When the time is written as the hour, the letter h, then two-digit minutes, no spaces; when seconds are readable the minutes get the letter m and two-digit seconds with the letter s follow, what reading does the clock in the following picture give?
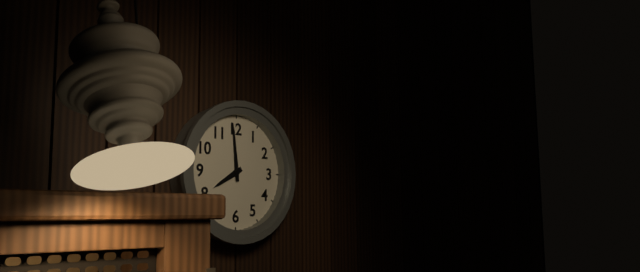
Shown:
7h59
